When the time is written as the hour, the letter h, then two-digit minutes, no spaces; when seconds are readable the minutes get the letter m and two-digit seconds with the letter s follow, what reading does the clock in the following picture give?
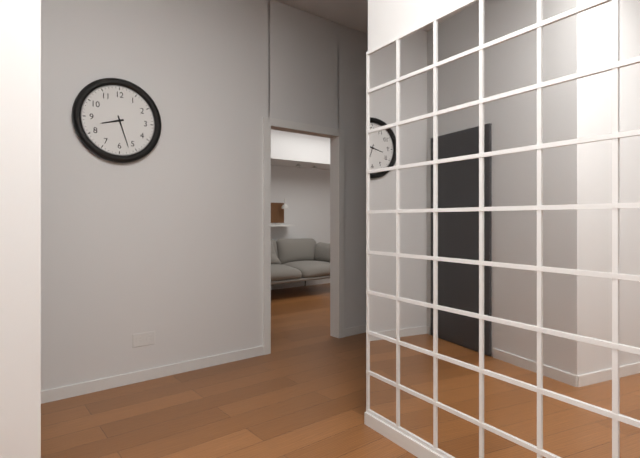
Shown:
8h27
